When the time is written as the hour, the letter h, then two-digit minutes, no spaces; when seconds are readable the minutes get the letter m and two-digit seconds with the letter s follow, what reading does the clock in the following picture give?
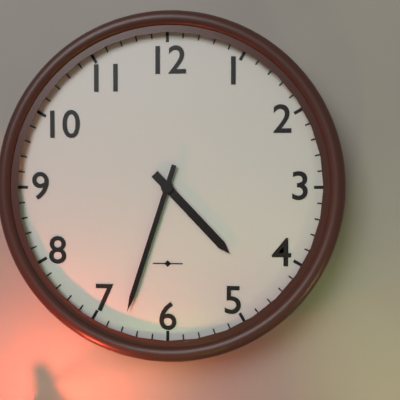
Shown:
4h33
